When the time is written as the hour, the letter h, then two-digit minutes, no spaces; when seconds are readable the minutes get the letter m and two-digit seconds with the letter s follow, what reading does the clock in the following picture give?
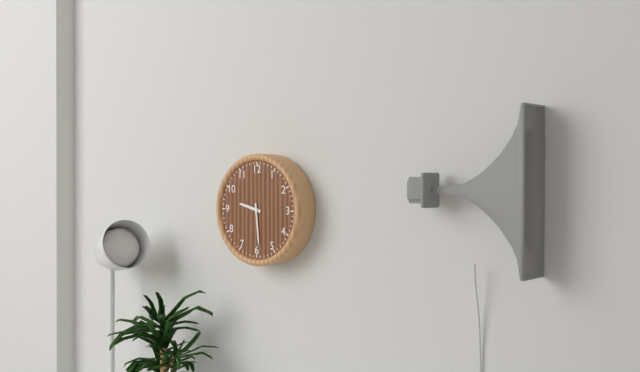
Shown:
9h29
